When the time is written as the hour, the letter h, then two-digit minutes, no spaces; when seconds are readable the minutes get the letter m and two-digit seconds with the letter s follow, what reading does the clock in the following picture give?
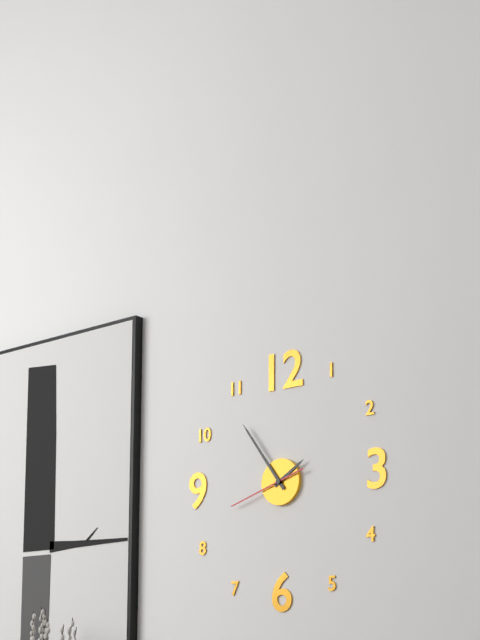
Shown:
1h54m42s
